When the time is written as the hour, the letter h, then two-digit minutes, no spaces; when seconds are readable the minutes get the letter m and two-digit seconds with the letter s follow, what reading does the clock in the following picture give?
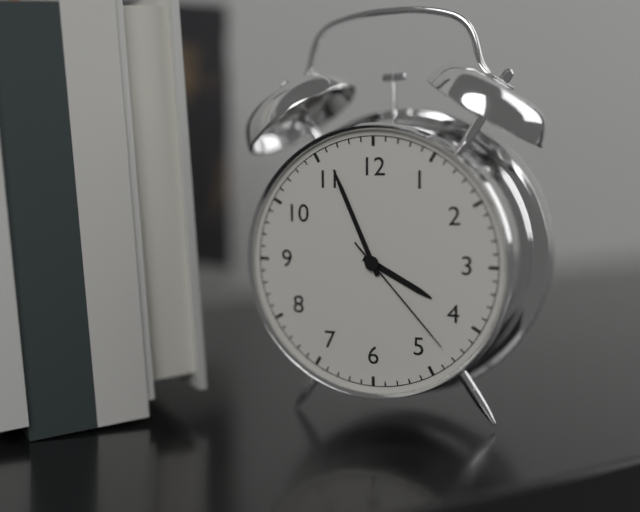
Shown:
3h56m23s
